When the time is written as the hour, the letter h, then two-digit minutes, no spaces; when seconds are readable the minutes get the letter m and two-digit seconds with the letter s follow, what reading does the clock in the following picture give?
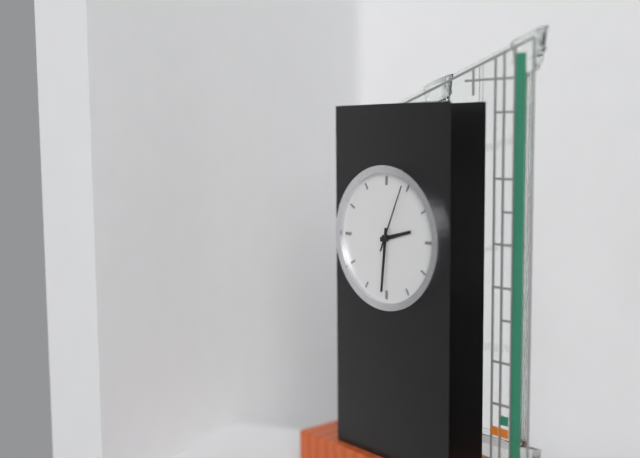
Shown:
2h31m04s
